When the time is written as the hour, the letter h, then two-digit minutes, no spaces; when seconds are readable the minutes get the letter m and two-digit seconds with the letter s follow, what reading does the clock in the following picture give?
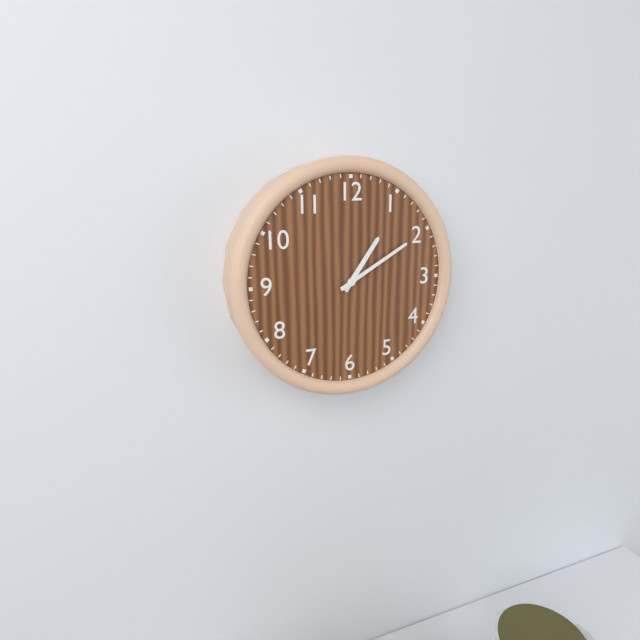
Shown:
1h10
